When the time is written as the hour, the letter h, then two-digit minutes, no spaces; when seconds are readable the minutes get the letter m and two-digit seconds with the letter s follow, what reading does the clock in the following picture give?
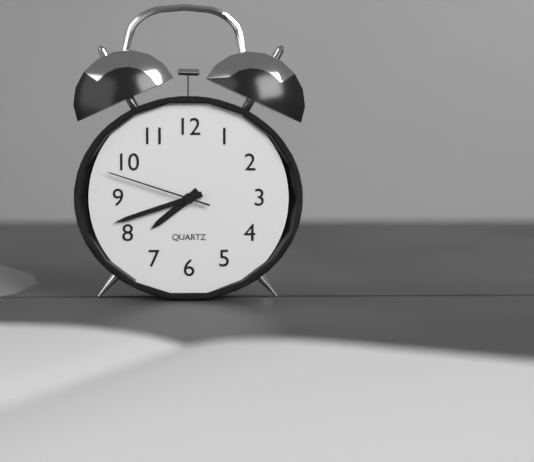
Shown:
7h42m48s
